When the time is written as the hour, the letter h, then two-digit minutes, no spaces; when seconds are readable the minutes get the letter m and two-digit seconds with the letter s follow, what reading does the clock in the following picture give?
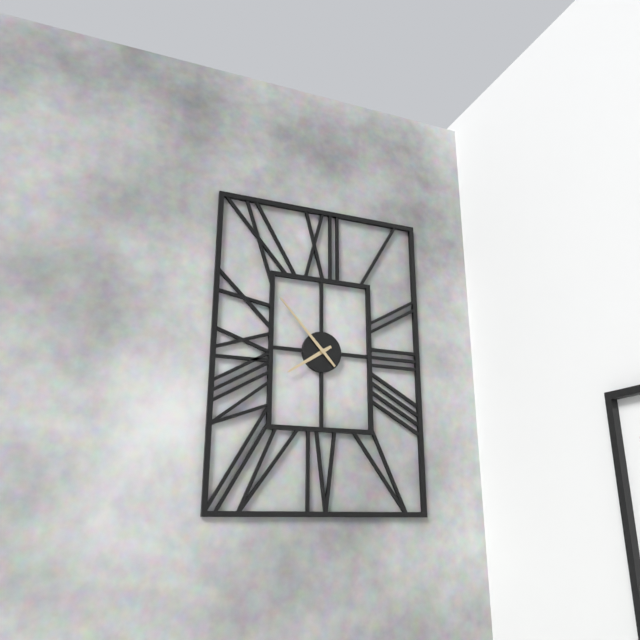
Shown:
7h53
